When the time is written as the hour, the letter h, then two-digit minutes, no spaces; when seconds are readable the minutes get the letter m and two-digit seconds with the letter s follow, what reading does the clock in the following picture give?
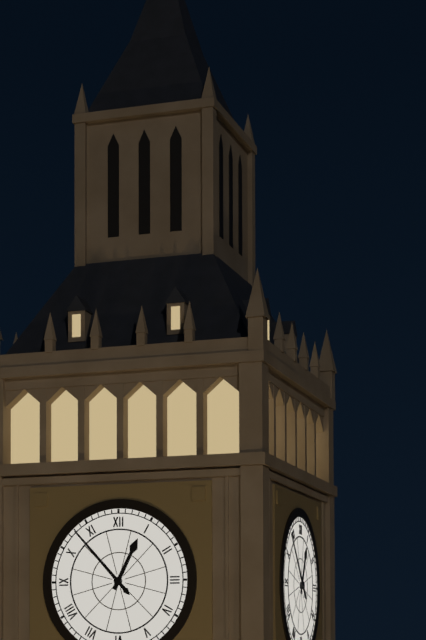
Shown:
12h53
